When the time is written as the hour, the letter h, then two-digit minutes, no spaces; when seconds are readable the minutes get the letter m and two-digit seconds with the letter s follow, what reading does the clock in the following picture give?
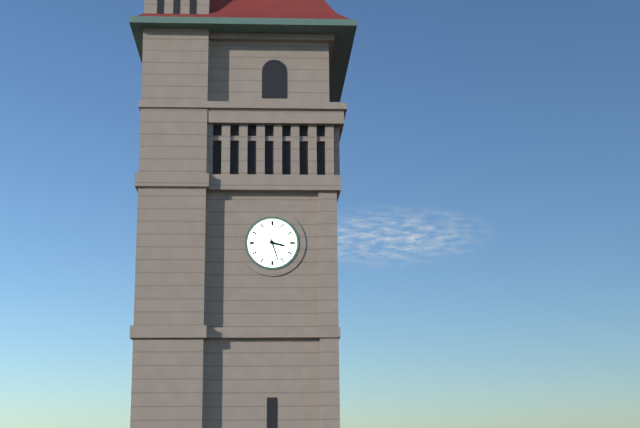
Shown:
3h27
